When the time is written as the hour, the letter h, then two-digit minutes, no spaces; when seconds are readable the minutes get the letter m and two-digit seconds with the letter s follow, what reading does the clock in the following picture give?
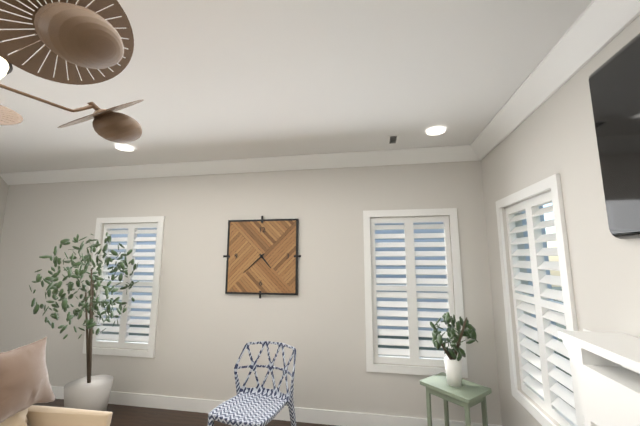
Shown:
4h38
